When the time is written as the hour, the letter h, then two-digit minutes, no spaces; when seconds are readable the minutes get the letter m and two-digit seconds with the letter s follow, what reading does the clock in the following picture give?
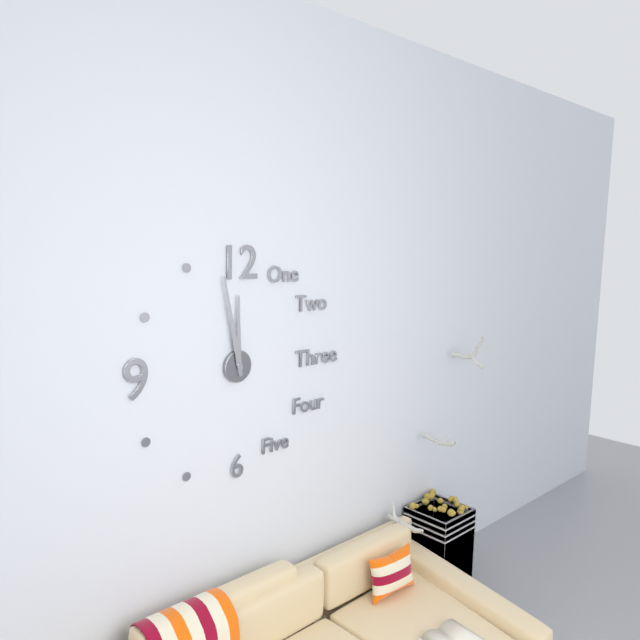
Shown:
11h58
